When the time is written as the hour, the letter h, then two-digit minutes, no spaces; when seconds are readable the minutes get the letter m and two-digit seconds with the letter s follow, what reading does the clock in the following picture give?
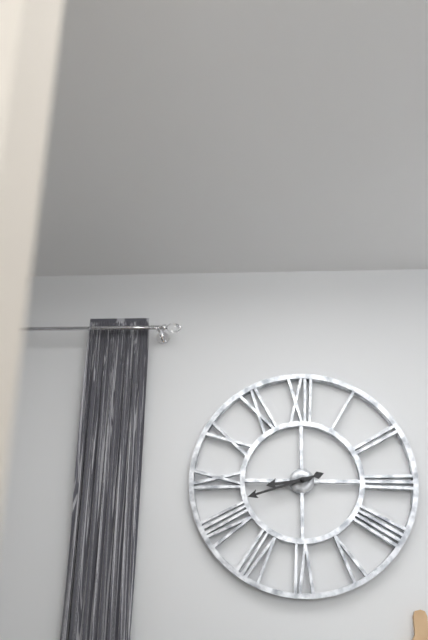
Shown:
8h42
